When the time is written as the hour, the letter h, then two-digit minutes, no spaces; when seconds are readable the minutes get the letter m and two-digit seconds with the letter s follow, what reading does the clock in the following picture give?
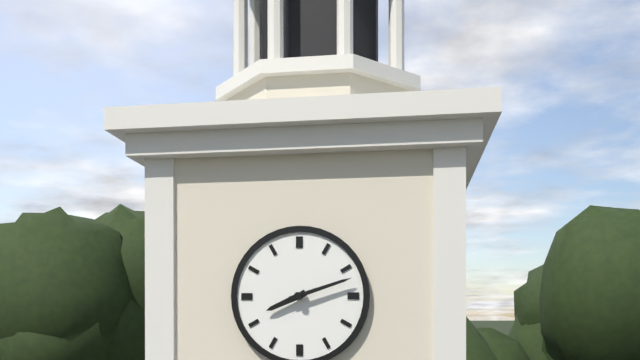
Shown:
8h12
